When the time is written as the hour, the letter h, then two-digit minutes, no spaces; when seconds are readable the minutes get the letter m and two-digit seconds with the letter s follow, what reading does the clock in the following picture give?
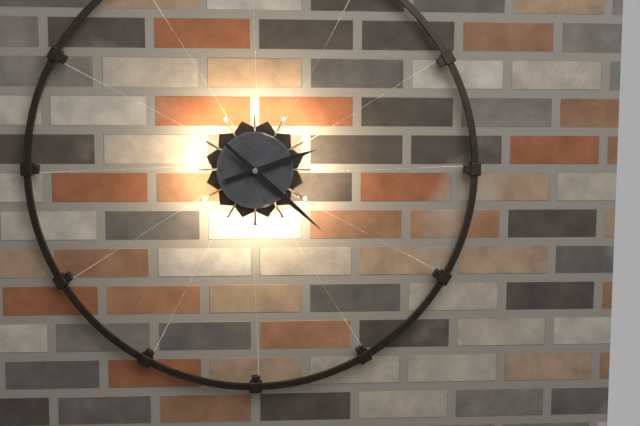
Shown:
2h22
